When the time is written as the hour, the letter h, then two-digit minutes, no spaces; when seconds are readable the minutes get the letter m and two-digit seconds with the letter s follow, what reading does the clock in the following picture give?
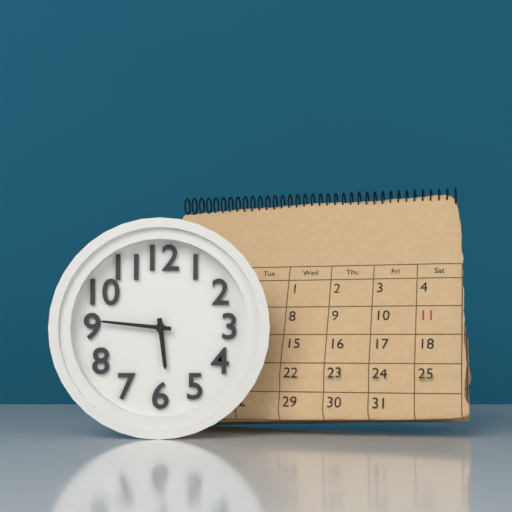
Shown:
5h46
